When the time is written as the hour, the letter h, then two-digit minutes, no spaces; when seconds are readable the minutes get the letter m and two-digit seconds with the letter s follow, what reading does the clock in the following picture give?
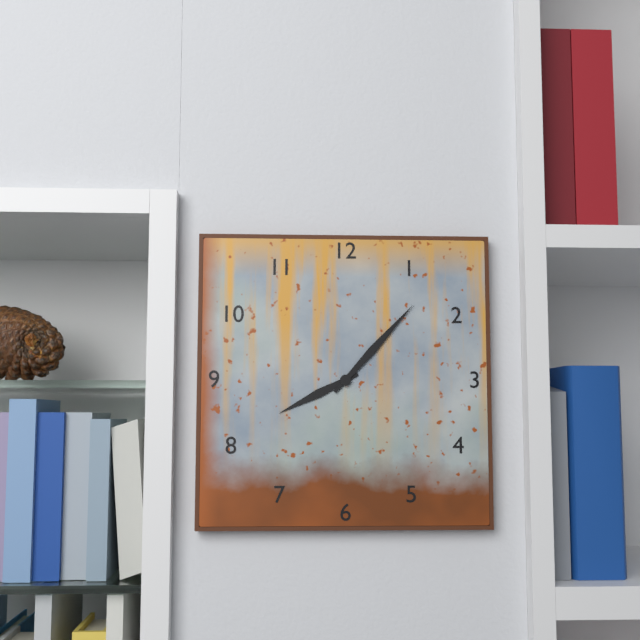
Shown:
8h07
